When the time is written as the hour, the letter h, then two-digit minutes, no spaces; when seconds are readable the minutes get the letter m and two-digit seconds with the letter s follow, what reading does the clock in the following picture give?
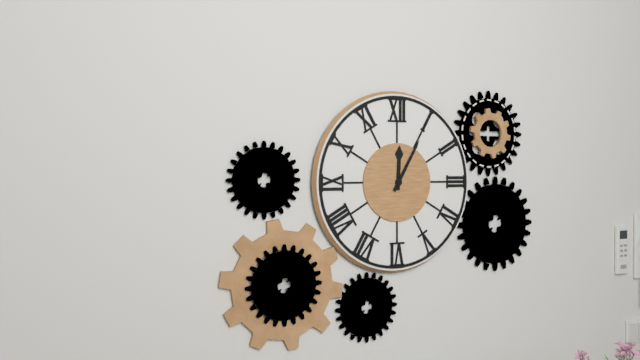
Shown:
12h05
